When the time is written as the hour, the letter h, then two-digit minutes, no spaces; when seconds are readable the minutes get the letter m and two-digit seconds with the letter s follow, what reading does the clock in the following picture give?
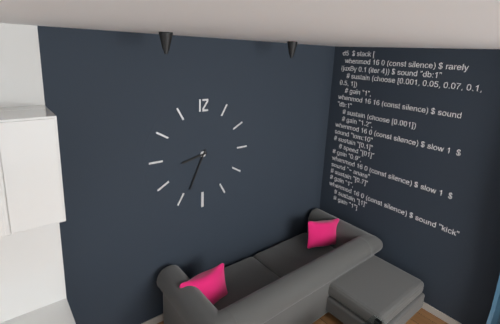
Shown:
8h34
